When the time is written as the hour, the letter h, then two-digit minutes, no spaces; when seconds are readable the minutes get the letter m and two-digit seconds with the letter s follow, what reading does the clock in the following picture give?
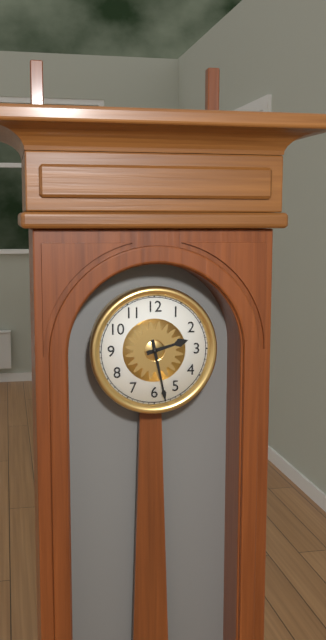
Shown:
2h28
